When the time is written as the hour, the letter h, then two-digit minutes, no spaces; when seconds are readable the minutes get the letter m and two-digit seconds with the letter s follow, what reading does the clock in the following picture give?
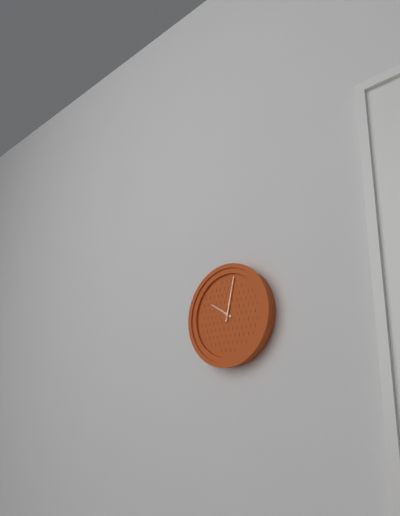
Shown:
10h02
